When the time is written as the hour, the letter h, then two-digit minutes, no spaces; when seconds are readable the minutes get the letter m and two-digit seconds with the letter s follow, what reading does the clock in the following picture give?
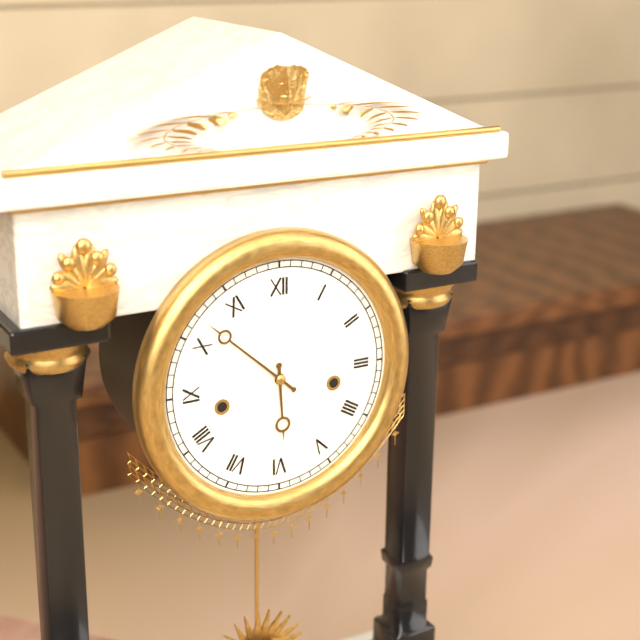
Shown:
5h52
